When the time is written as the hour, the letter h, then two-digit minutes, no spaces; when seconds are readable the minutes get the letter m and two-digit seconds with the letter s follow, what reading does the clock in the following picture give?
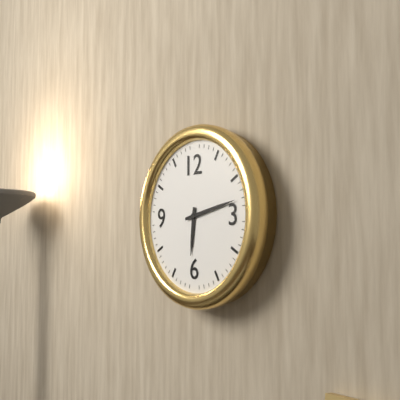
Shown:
6h13
